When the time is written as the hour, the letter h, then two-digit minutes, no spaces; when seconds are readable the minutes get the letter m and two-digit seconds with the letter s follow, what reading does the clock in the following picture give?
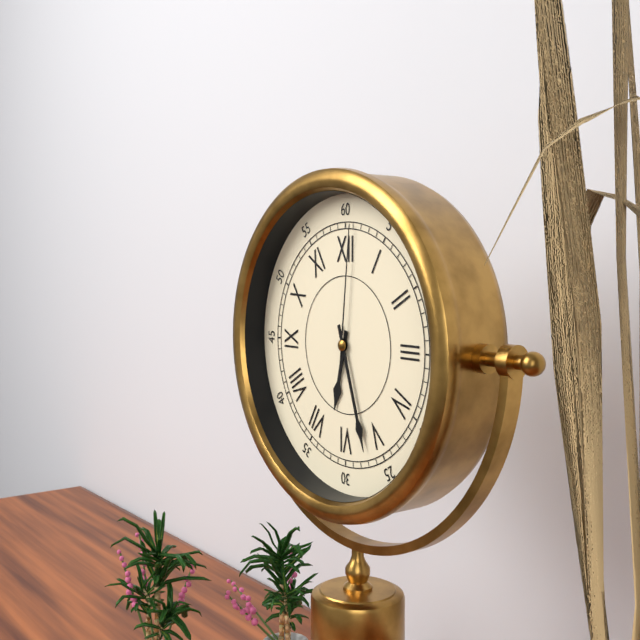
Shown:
6h27m01s
